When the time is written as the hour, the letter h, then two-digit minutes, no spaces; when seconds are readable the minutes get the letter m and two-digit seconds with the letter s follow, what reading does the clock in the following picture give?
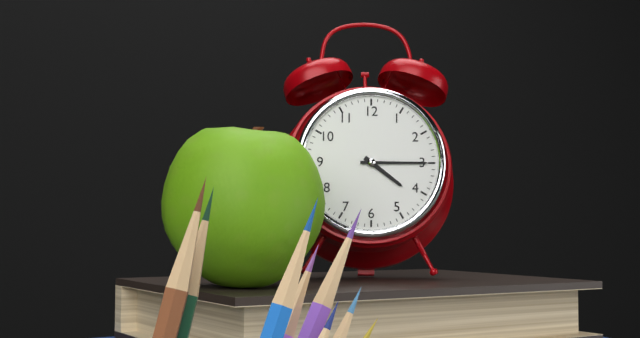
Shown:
4h15
